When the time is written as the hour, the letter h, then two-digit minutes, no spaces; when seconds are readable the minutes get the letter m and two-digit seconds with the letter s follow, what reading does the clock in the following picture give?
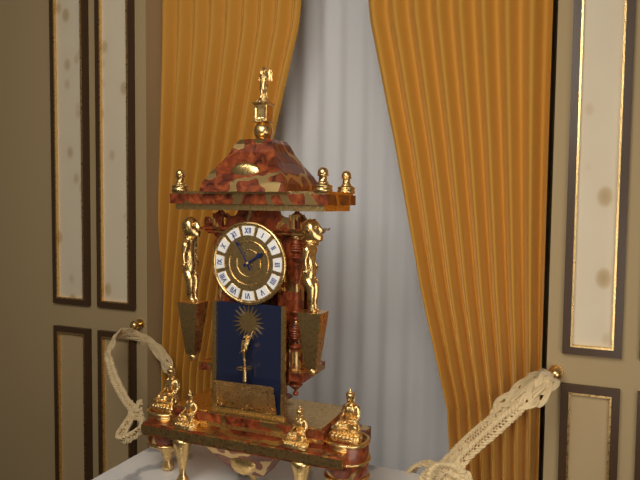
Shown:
1h55
